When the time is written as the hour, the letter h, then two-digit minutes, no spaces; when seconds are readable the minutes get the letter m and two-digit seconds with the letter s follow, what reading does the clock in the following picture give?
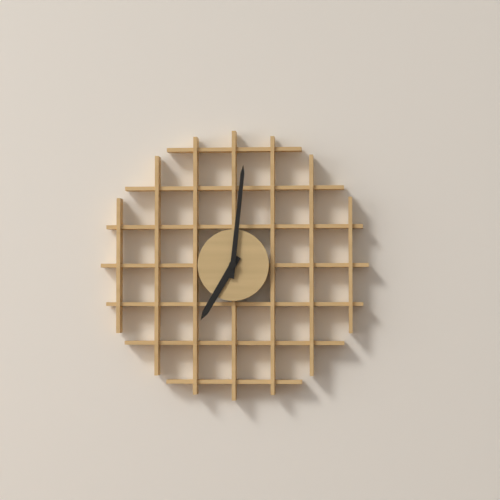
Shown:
7h01
